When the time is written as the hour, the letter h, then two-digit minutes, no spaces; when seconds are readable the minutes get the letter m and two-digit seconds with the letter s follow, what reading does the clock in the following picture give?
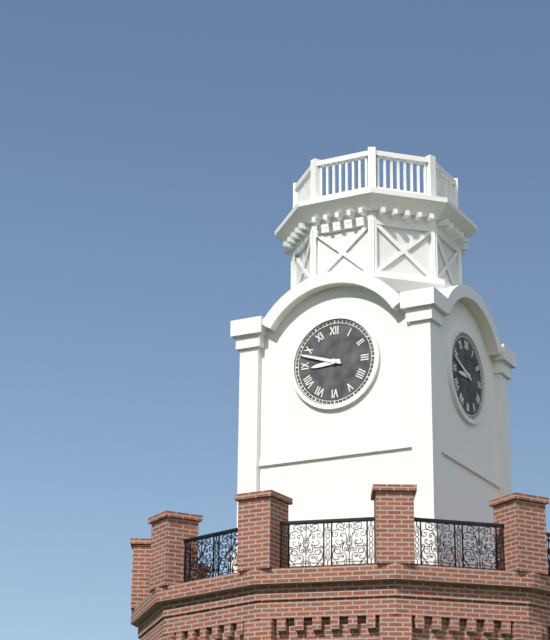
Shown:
8h48
